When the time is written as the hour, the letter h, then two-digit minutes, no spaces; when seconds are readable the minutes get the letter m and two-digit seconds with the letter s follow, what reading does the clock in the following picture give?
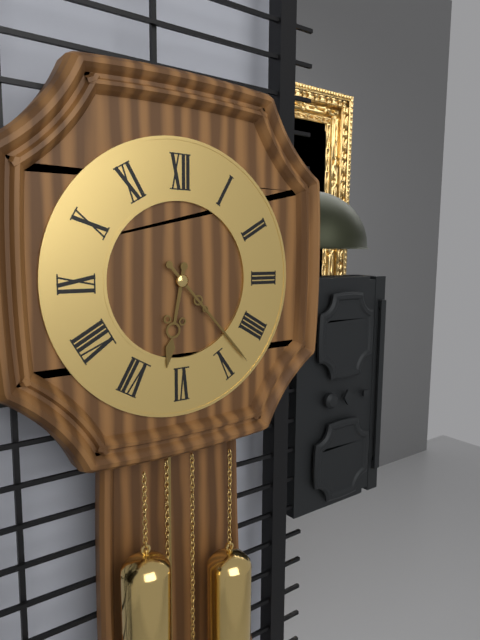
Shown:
6h23
